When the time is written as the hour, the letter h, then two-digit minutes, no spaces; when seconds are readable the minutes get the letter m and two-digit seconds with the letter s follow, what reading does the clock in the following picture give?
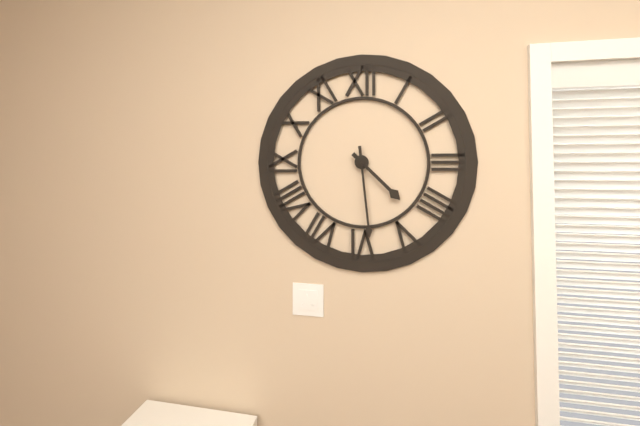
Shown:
4h29
